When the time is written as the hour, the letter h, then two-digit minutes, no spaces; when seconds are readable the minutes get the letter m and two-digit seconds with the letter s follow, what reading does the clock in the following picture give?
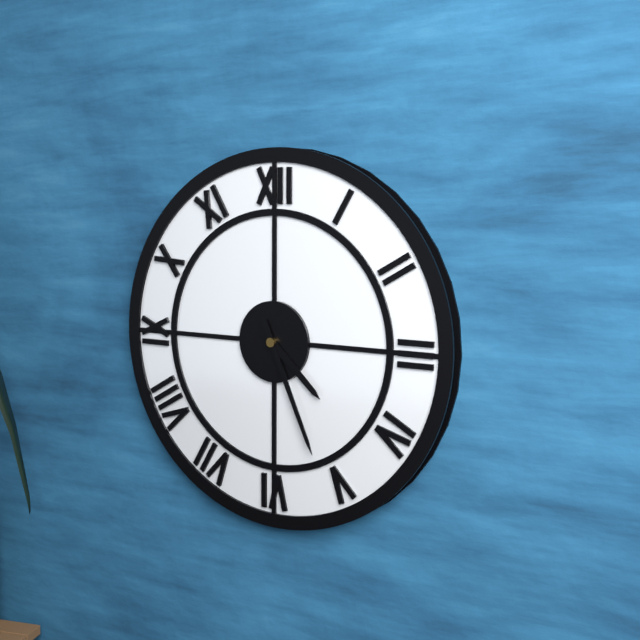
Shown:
4h26
